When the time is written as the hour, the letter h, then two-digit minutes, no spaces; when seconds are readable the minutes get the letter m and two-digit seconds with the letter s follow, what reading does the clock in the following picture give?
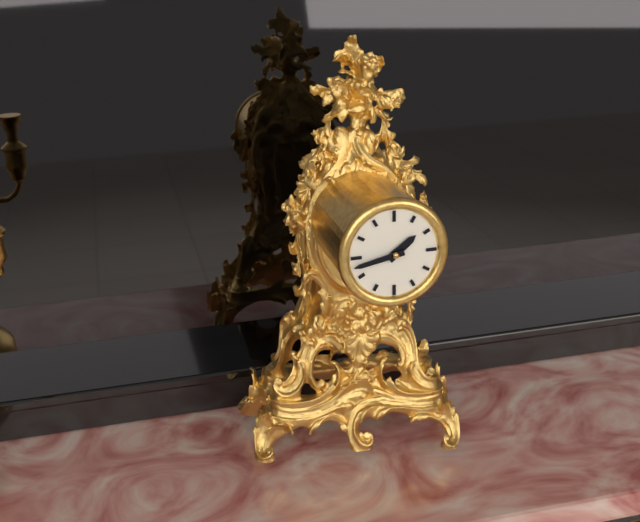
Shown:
1h43
